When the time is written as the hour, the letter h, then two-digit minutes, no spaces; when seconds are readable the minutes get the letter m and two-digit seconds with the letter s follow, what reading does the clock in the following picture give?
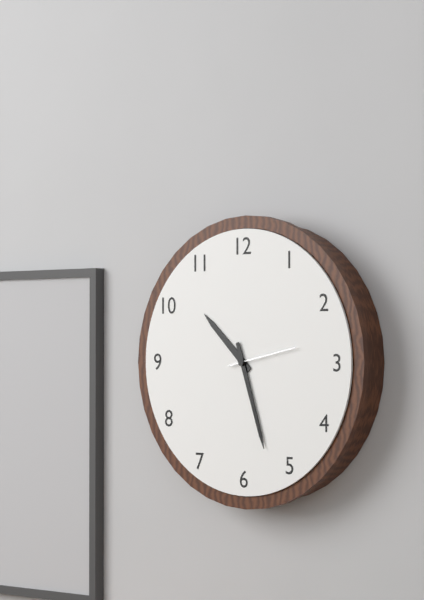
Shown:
10h27m13s
